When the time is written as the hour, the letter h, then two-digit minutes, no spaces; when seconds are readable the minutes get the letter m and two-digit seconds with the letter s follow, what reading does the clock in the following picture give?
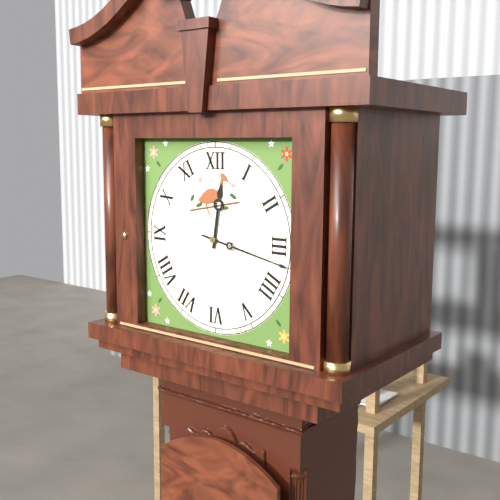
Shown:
12h17
